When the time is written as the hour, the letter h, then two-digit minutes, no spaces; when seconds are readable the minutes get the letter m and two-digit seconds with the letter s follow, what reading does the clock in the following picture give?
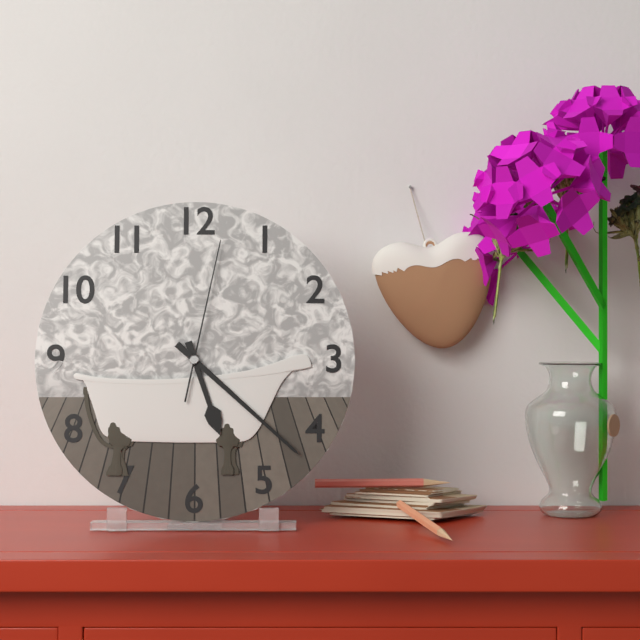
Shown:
5h22m02s
